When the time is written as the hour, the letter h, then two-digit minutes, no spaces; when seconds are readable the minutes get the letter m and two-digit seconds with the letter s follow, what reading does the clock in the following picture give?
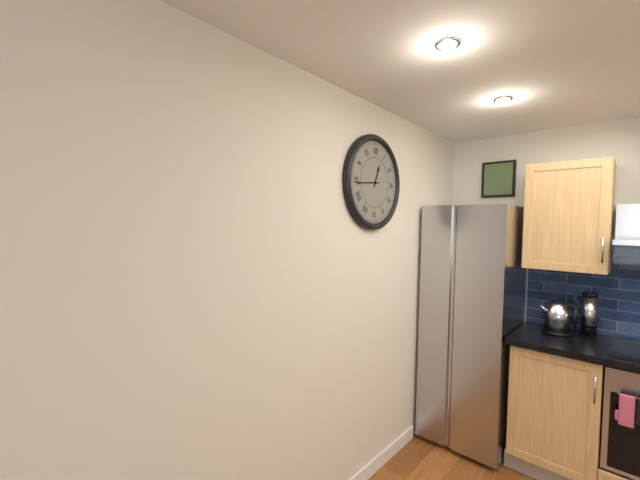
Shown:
12h44
